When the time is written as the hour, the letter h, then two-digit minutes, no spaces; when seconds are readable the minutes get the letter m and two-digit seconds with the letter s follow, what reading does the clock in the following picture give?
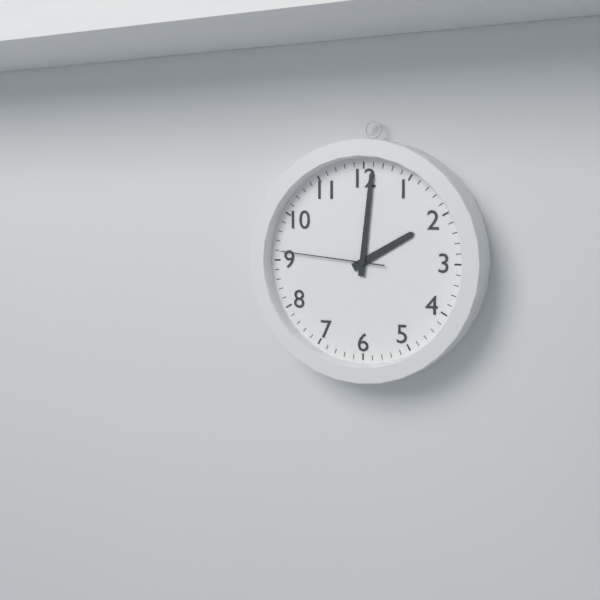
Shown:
2h01m46s
